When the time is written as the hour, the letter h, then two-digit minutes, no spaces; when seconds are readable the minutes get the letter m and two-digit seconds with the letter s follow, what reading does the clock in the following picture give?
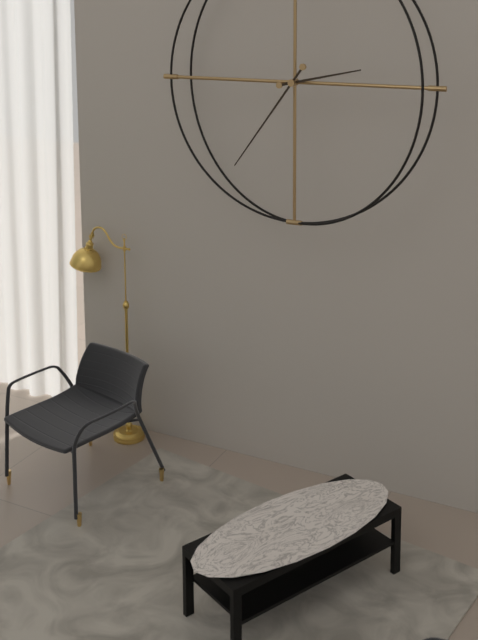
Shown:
2h36
